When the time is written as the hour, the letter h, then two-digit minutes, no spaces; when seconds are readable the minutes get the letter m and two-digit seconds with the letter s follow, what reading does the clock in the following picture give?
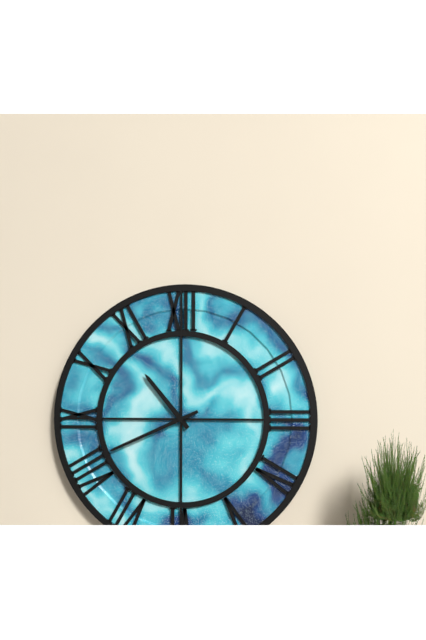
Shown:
10h41
